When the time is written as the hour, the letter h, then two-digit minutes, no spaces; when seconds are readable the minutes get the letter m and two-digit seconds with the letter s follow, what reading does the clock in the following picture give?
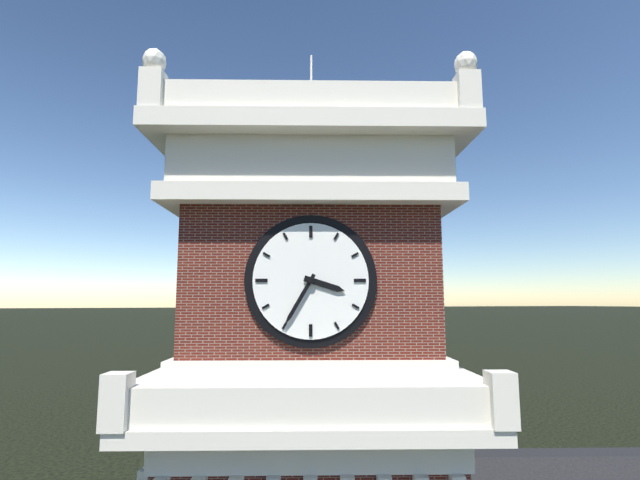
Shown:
3h35
